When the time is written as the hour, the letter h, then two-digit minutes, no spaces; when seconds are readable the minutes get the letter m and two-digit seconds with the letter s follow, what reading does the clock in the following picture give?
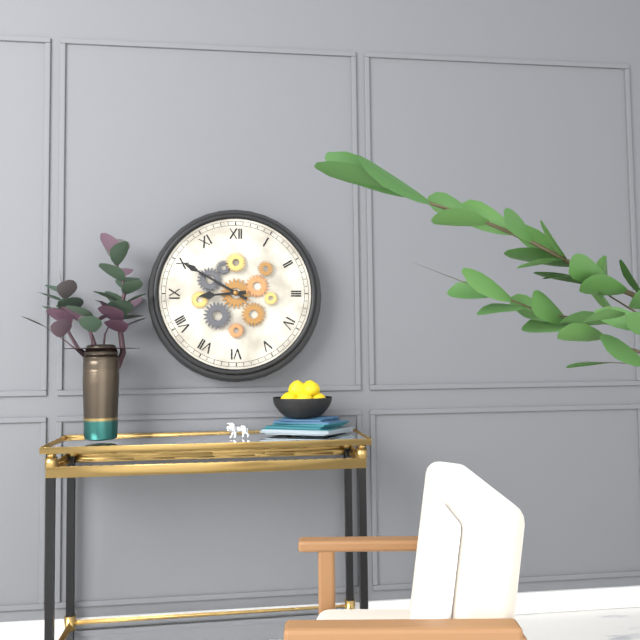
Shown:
8h50
